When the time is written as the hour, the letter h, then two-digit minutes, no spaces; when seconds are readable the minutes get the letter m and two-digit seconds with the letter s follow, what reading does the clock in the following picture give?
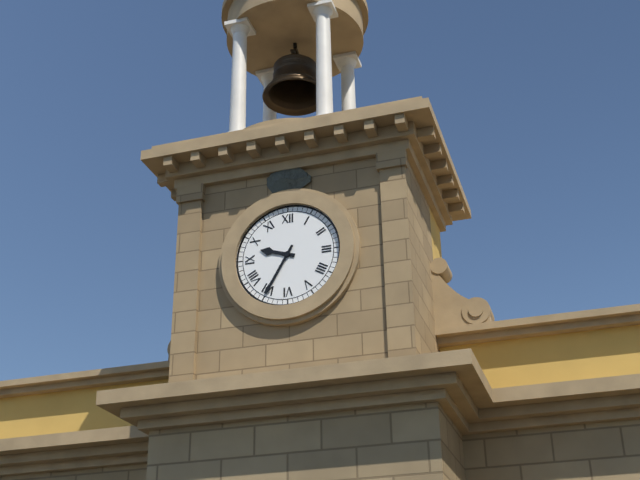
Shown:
9h35
